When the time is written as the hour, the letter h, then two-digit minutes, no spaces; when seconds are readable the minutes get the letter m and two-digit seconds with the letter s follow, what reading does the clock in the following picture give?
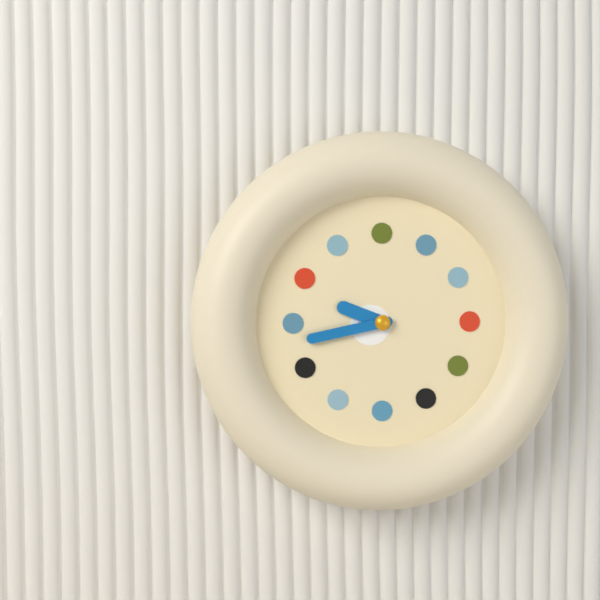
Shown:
9h43
